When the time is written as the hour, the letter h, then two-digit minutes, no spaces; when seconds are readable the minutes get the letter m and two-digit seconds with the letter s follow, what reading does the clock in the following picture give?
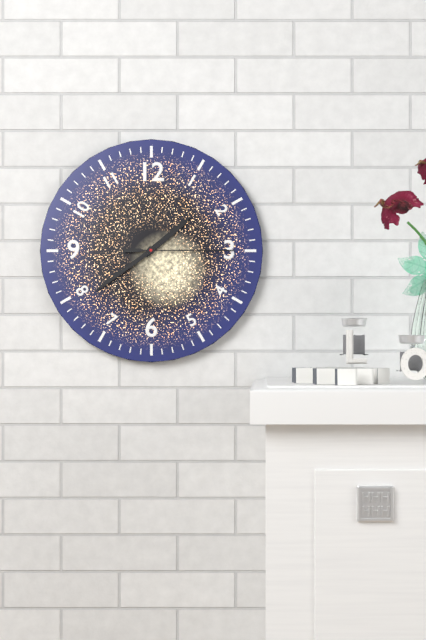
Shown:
1h39m15s
